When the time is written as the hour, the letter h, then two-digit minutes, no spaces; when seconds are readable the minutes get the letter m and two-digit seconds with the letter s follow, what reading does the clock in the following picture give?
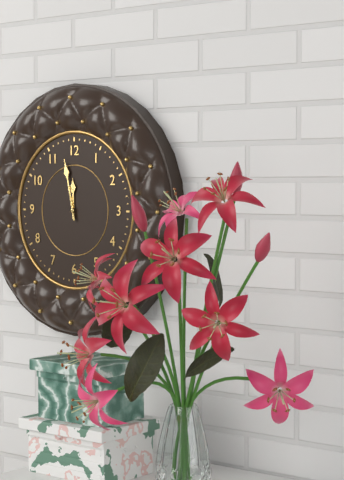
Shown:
11h58
